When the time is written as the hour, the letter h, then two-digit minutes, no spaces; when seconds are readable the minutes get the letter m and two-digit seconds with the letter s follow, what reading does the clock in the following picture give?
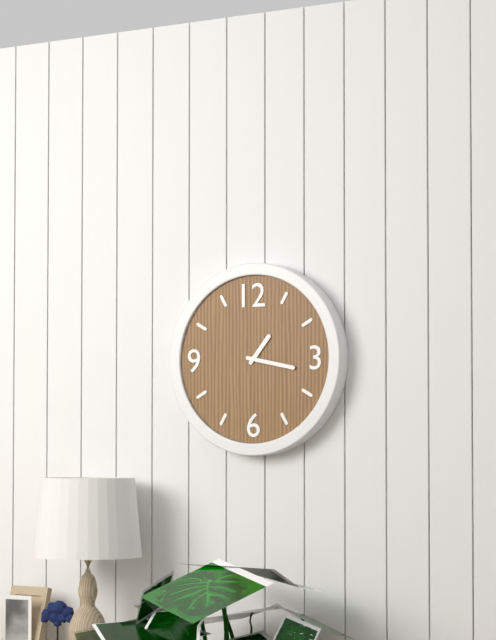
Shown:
1h17
